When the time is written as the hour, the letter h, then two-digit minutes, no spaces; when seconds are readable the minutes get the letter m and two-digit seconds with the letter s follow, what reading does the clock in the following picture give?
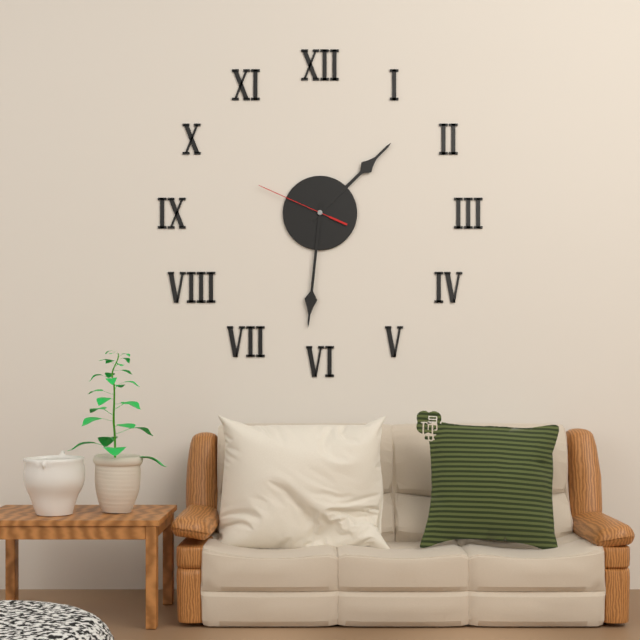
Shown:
1h31m49s
